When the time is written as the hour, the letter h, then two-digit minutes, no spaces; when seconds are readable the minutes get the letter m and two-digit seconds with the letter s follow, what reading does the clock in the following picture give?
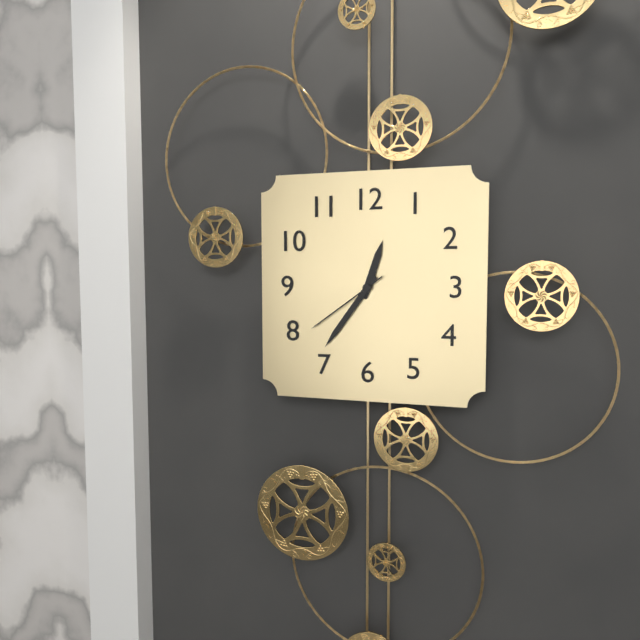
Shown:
12h36m39s
